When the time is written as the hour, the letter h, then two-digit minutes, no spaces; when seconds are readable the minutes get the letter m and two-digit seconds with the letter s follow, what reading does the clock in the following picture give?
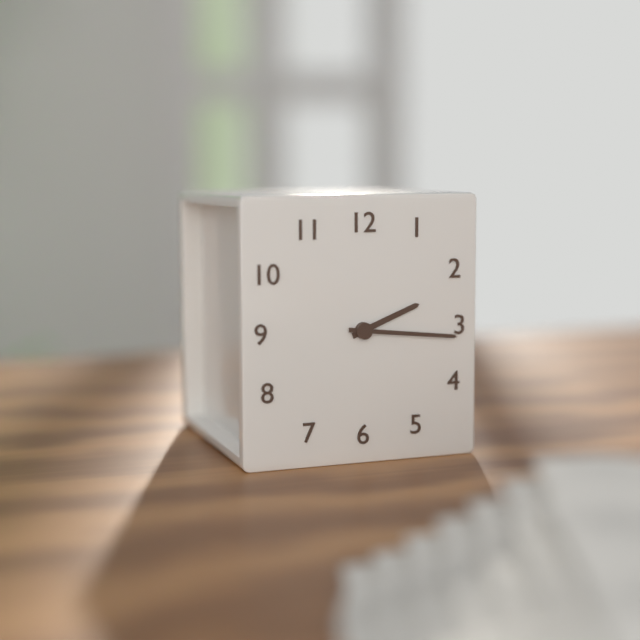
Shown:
2h16
